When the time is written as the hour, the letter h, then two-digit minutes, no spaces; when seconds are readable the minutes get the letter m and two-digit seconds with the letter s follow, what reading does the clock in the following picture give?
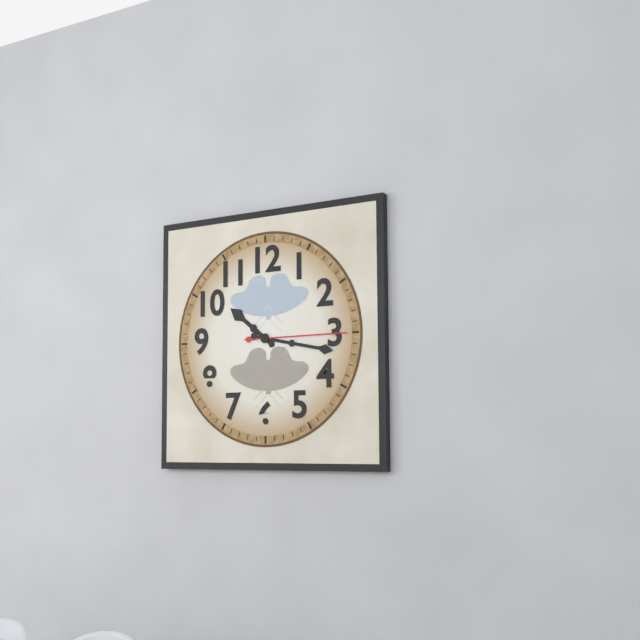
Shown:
10h17m15s
